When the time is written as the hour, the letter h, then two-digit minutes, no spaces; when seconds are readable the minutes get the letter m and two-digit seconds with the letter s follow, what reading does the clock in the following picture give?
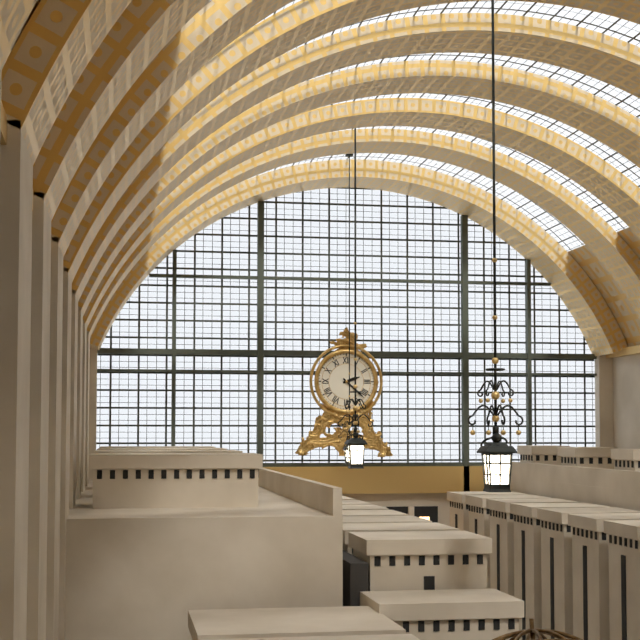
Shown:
2h22
